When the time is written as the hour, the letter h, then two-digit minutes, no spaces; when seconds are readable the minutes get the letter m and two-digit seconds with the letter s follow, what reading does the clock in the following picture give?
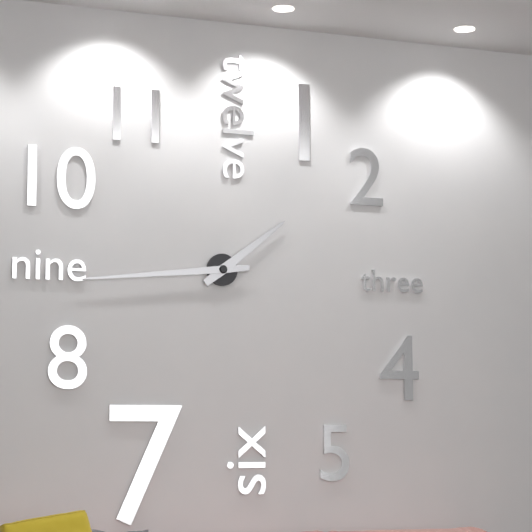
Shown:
1h44
